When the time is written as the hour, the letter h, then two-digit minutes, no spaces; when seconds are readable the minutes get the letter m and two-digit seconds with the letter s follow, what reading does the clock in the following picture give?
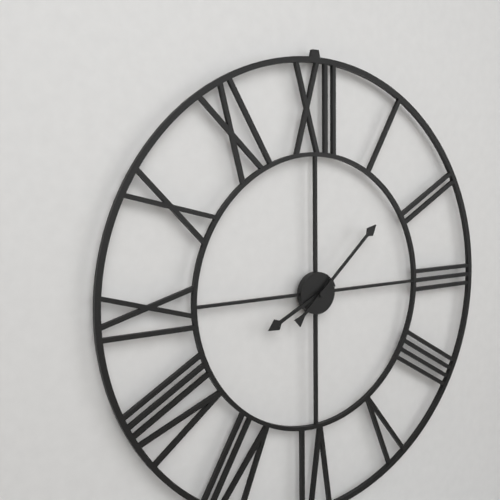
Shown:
8h08
